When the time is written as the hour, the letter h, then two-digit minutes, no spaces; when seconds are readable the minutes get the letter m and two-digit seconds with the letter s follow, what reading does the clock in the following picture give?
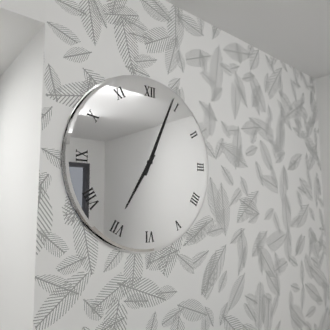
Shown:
7h04
